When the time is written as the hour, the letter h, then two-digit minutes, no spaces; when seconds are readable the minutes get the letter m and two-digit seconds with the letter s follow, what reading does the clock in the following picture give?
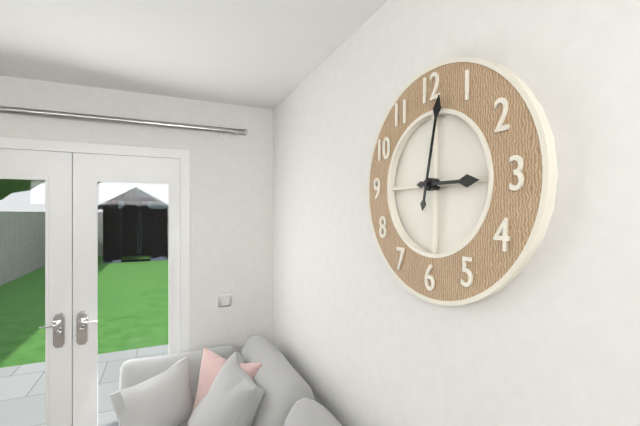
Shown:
3h02
